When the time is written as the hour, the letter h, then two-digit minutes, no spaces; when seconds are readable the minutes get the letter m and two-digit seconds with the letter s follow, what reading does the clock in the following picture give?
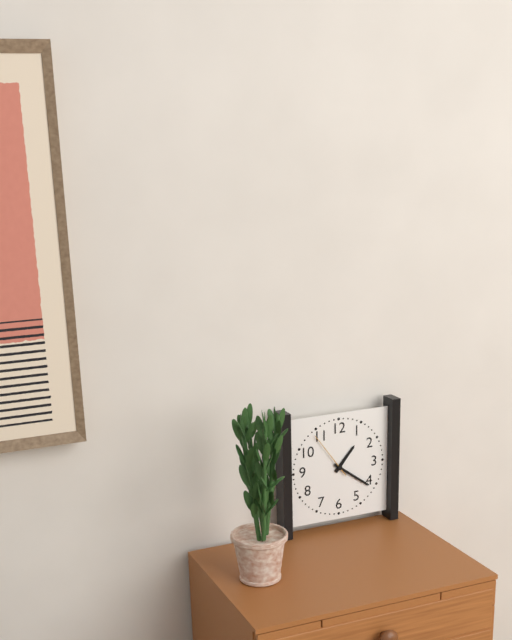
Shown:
1h21m54s
